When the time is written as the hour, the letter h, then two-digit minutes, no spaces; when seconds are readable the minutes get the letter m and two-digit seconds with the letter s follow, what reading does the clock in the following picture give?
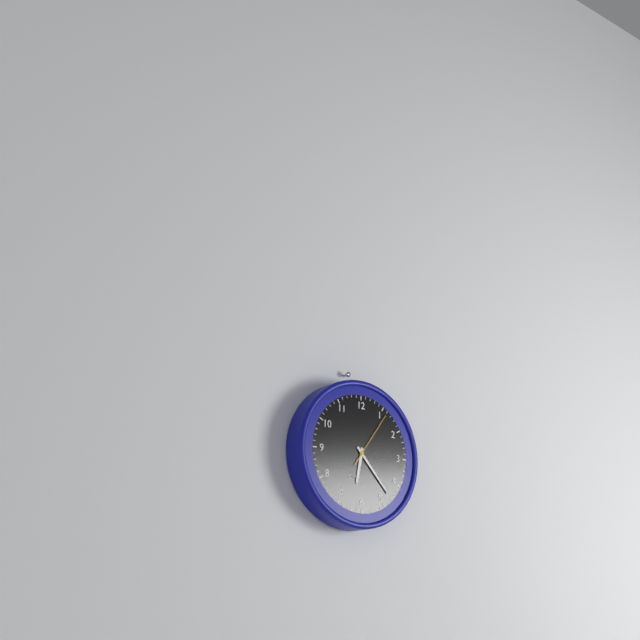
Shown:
6h23m06s
